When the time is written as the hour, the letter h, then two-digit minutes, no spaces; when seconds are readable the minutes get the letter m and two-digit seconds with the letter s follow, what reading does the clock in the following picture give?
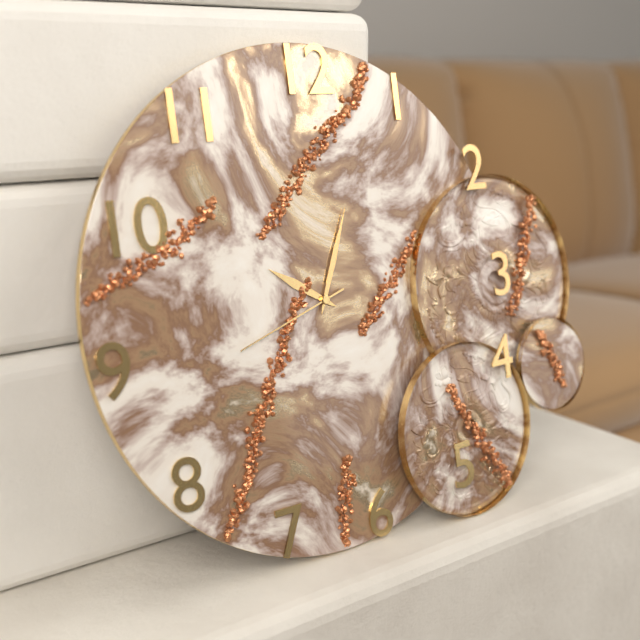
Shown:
10h04m42s
